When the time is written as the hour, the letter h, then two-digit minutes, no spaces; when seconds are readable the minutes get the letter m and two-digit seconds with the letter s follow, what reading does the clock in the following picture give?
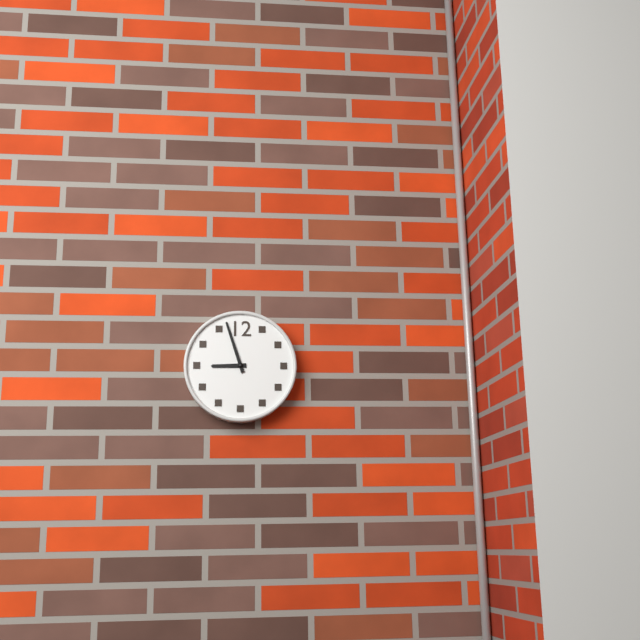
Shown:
8h57
